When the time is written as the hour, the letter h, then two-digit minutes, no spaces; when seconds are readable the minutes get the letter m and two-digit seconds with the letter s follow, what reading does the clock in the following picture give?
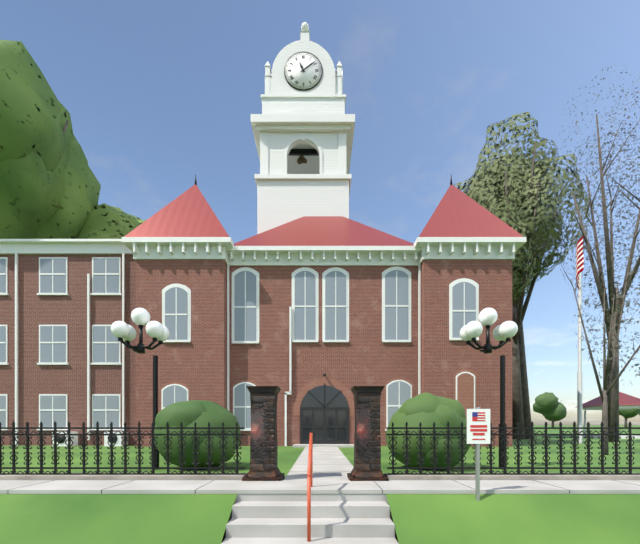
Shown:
11h09
